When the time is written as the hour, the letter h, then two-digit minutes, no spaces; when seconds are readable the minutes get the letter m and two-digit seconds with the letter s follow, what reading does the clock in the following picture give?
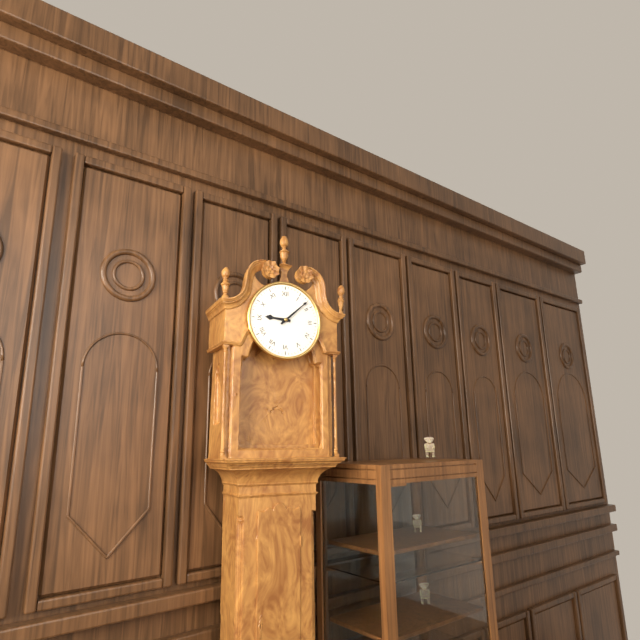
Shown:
9h08
